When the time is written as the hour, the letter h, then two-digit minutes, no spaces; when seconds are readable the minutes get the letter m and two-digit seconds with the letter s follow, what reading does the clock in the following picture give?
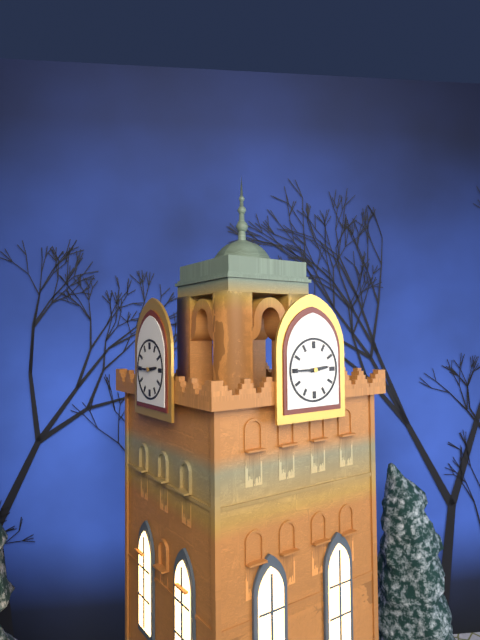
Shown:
2h45
